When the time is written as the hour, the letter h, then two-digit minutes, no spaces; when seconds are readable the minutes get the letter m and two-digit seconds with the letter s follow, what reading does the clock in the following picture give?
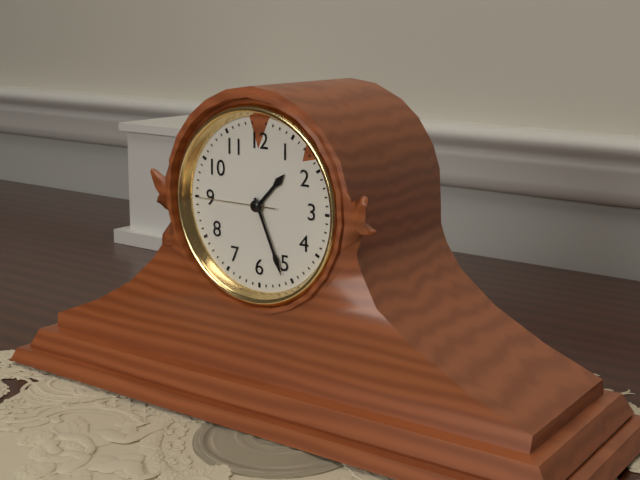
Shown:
1h26m45s
